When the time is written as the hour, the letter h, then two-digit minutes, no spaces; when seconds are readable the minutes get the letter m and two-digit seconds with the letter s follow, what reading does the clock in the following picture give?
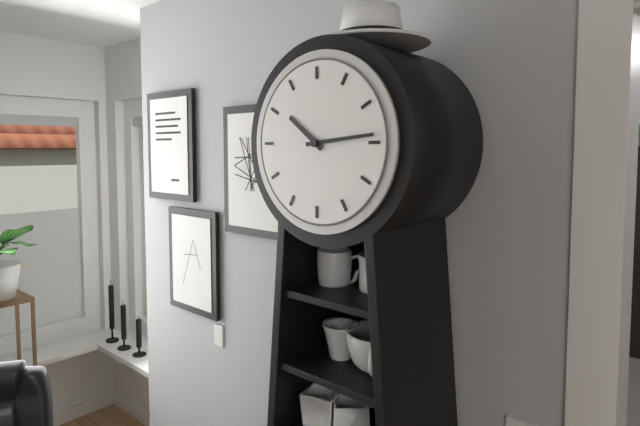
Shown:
10h14
